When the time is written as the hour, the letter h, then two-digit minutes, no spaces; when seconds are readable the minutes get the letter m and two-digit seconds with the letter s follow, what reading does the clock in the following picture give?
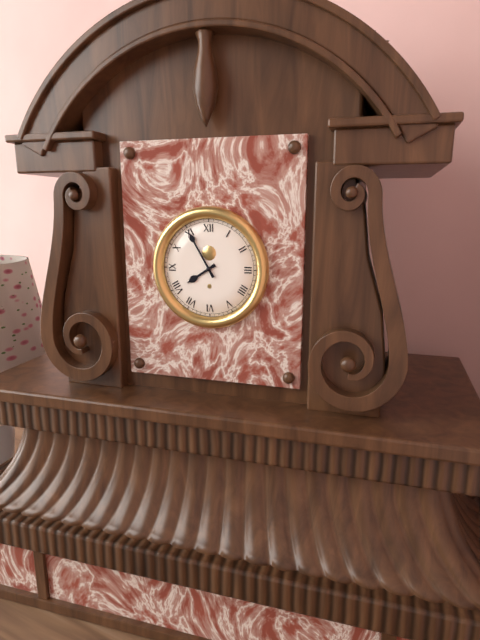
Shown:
7h55
